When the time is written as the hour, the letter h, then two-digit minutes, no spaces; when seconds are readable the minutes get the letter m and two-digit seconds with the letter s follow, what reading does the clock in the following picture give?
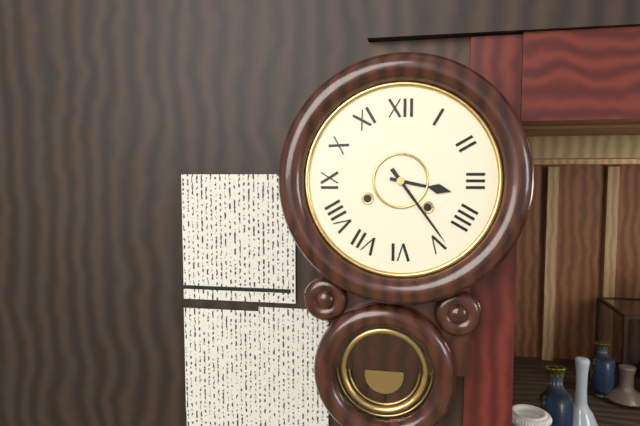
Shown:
3h24
